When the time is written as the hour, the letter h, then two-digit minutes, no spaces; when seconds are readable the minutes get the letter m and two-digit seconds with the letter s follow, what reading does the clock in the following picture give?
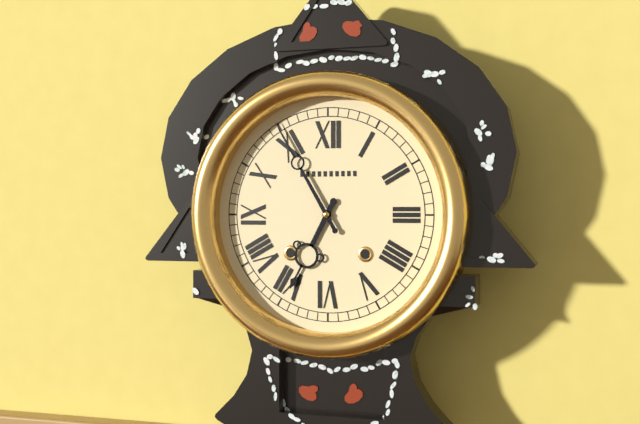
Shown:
6h55
